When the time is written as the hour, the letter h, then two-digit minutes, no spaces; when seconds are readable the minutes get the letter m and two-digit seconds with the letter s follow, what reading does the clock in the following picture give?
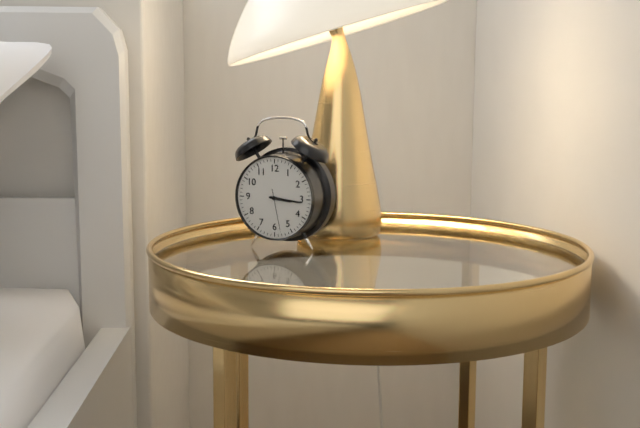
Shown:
3h16
